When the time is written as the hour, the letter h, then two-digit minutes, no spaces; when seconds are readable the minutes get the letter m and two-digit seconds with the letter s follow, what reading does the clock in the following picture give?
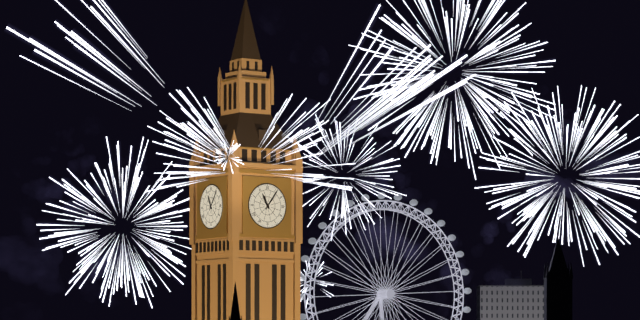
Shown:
11h06
